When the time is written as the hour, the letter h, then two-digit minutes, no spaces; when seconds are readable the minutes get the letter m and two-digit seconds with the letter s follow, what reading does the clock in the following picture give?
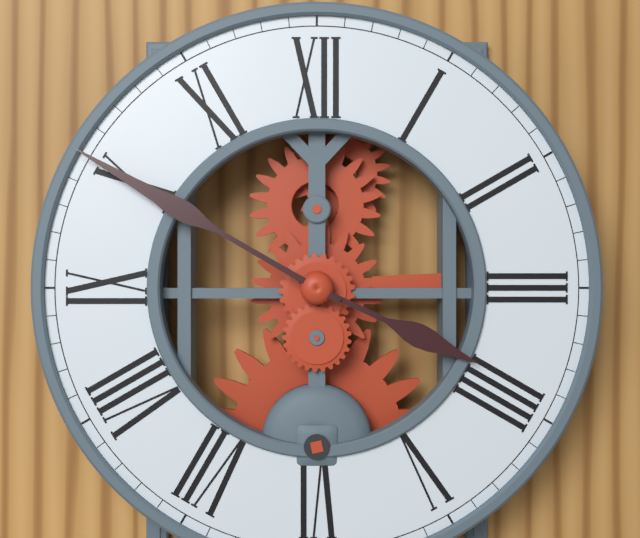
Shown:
3h50
